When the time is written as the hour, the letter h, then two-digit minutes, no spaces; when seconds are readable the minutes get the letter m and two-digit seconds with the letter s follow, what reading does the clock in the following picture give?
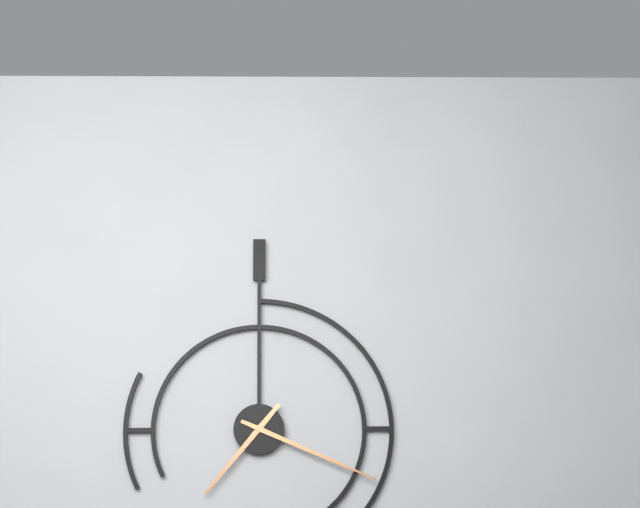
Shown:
7h19
